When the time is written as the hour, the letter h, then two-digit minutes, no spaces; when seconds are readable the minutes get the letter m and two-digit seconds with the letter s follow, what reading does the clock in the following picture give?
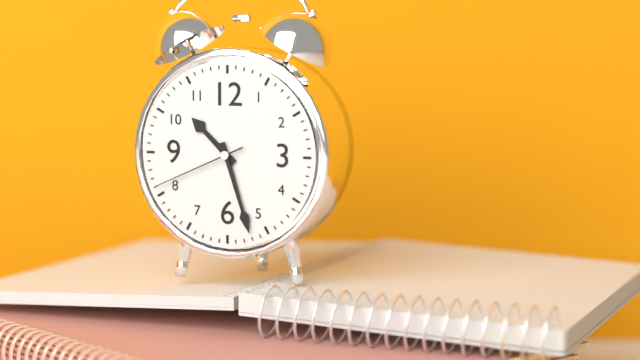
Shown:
10h27m41s
